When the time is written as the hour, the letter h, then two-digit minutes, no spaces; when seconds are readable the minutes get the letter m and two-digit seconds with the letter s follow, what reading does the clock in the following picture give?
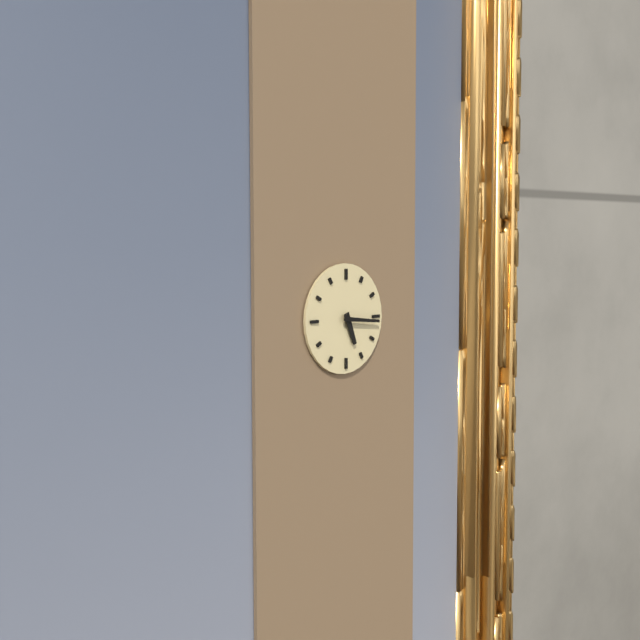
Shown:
5h16
